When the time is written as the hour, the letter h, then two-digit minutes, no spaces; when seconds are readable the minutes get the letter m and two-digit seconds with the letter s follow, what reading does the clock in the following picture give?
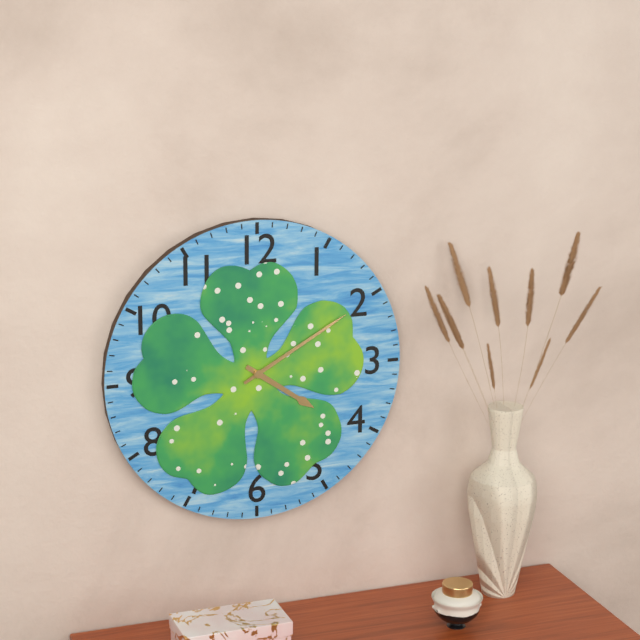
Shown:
4h10
